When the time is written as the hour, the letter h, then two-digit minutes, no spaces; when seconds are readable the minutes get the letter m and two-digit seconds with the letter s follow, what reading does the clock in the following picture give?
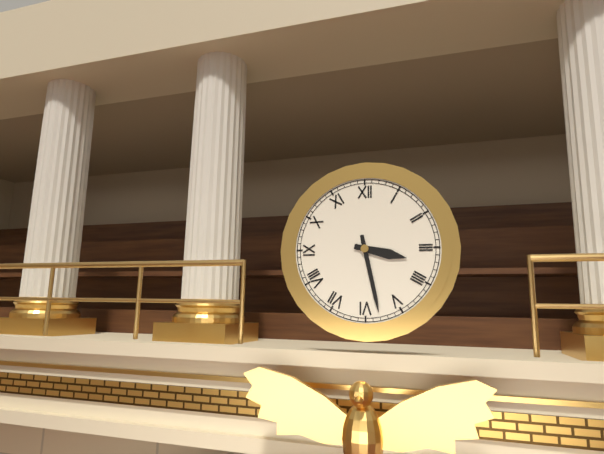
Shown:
3h28
